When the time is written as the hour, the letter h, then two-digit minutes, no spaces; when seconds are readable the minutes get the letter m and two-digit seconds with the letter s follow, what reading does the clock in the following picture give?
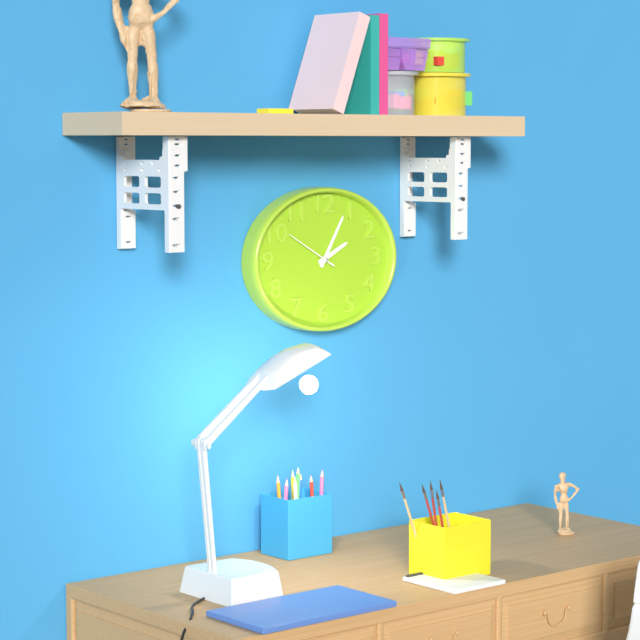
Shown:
2h05m50s
